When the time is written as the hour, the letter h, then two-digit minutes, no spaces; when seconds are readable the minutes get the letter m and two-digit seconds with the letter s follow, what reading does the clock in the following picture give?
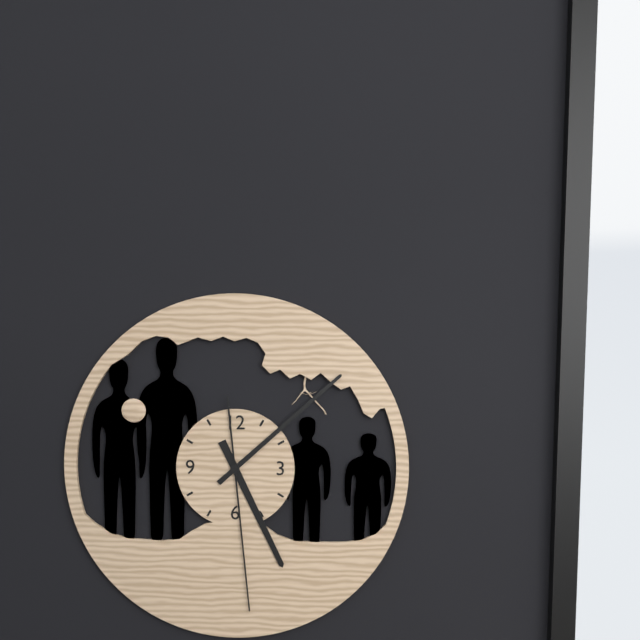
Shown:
5h08m29s
